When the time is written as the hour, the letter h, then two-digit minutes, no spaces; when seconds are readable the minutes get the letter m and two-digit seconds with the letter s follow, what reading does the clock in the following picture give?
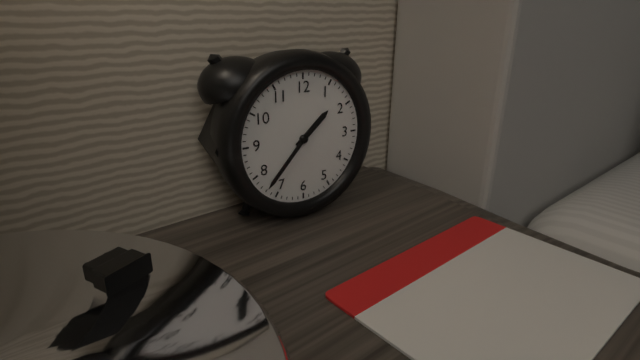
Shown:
1h37
